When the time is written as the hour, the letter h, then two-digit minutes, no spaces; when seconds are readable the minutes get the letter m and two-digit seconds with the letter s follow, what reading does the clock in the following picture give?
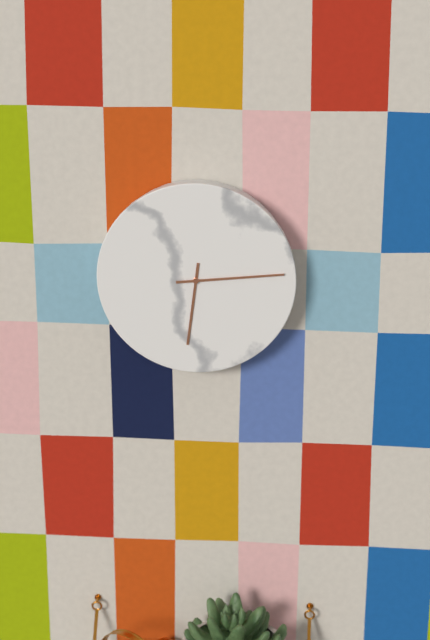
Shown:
6h14
